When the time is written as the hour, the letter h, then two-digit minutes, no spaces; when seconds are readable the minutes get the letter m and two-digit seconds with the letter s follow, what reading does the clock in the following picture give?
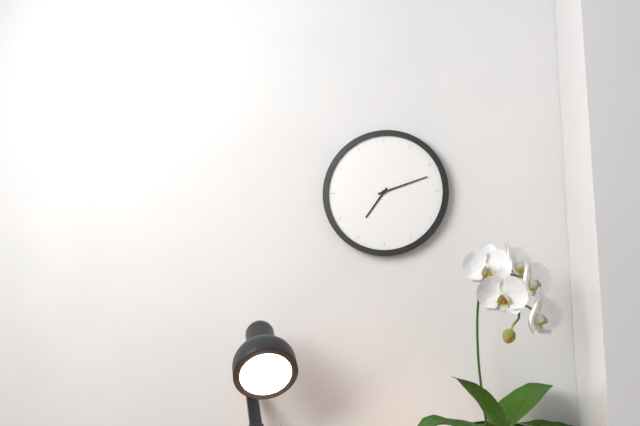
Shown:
7h12
